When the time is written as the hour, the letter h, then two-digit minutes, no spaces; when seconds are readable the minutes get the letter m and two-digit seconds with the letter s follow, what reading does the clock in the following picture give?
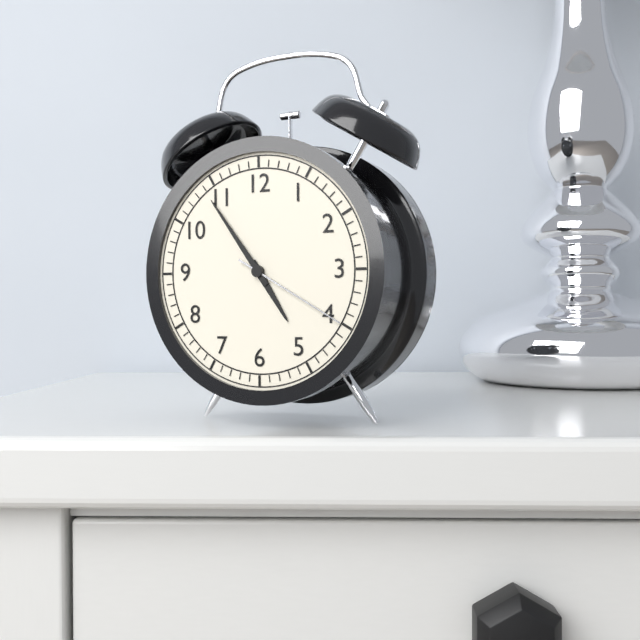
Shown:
4h54m20s
